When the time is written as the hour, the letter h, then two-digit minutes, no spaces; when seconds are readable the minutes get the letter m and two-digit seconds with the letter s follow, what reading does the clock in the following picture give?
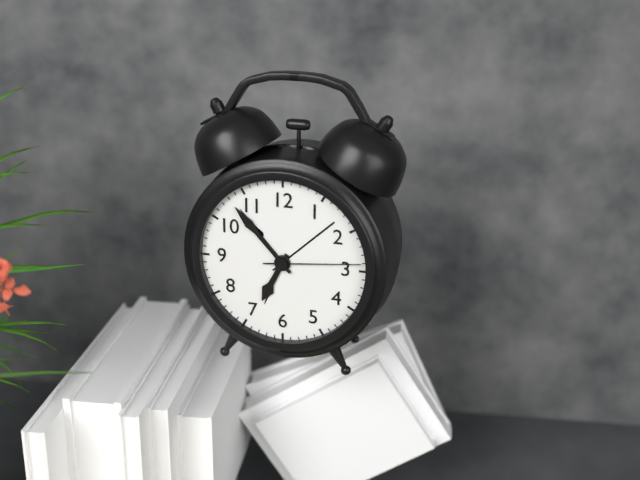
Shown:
6h53m14s
